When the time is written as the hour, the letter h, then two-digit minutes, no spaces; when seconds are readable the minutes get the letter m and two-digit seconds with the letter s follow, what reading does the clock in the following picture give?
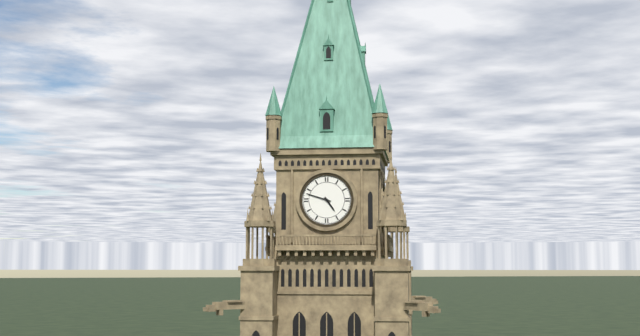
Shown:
4h48
